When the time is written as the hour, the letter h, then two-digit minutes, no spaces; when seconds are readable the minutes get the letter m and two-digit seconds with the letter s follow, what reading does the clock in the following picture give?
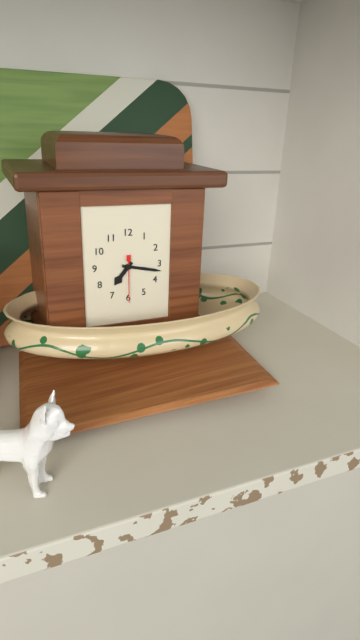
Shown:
7h17m30s
